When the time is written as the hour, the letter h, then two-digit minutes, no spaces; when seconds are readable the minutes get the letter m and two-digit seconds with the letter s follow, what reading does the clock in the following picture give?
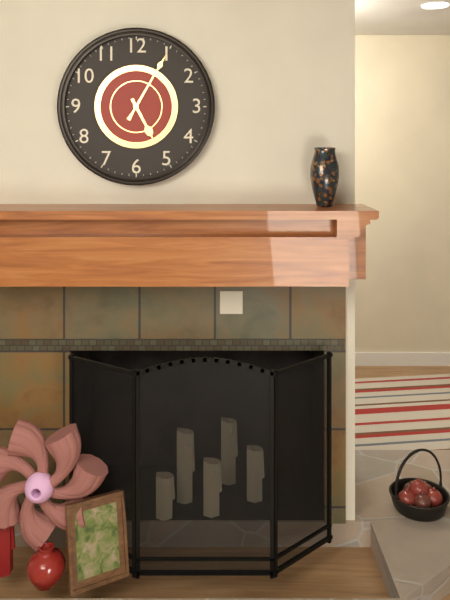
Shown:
5h05
